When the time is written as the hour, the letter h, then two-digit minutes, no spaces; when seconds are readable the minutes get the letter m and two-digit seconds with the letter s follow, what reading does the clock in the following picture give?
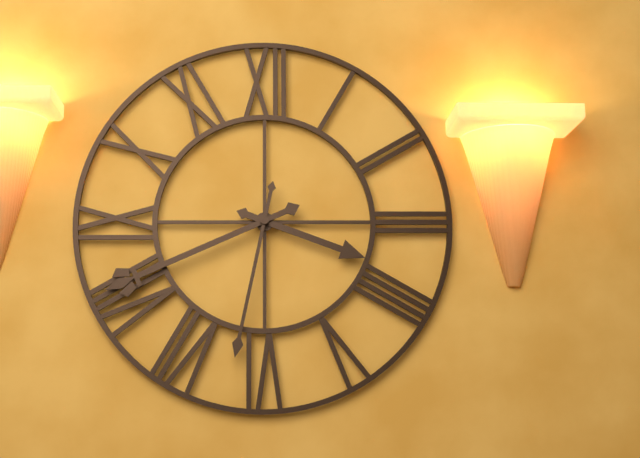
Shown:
3h41m32s
